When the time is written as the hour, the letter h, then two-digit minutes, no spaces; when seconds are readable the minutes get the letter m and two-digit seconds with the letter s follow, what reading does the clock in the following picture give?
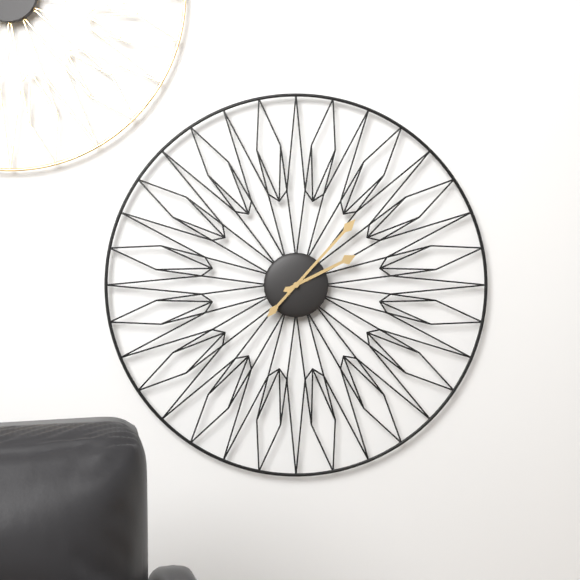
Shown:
2h07
